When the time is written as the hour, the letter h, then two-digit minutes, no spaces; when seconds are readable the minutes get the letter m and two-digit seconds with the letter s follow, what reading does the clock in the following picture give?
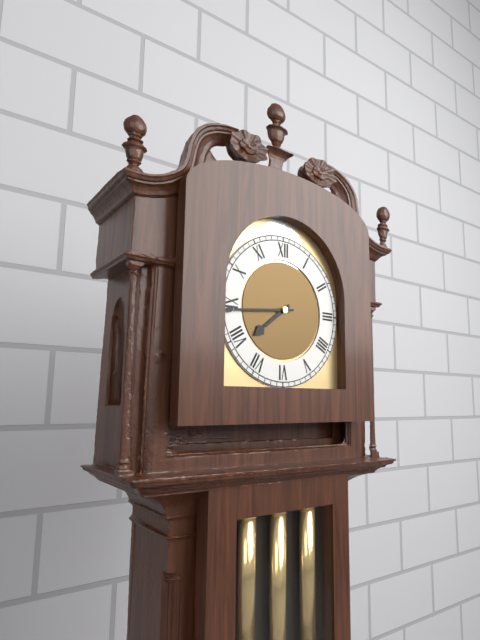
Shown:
7h44
